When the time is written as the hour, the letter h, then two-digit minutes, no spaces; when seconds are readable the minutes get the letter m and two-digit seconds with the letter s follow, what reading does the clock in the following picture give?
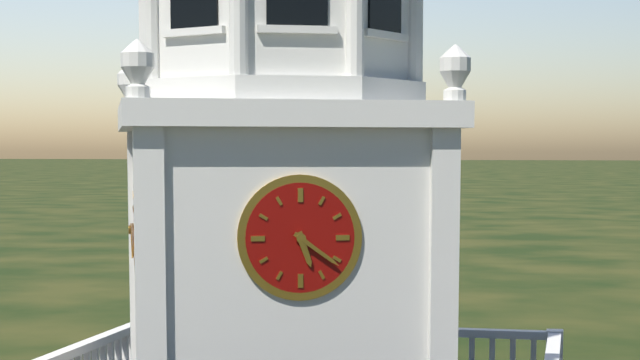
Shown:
5h21
